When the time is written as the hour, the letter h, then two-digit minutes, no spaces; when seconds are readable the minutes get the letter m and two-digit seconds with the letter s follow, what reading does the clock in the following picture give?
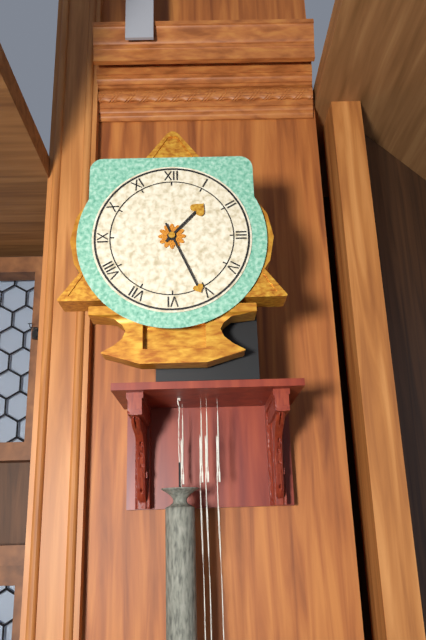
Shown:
1h26
